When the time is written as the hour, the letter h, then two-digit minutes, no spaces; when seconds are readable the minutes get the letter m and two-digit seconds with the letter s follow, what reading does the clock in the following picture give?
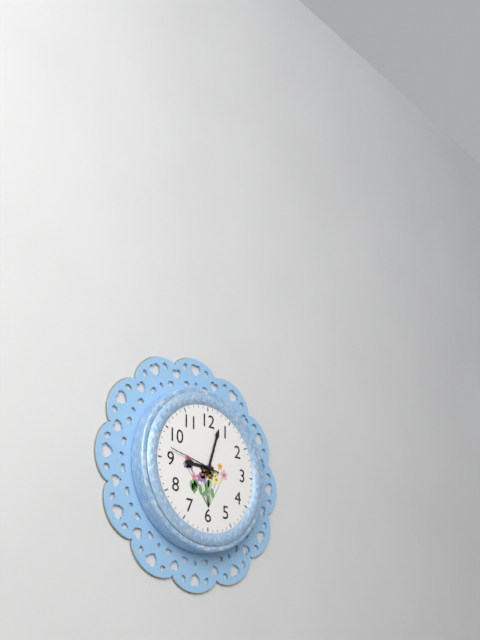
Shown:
9h03m47s
